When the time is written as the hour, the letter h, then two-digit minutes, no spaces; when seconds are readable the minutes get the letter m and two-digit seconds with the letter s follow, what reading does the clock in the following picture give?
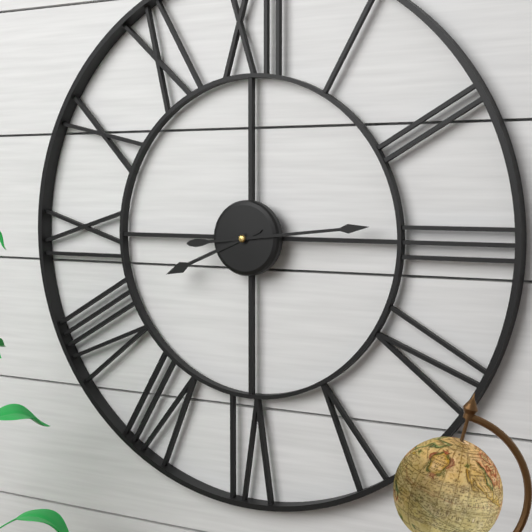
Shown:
8h14
